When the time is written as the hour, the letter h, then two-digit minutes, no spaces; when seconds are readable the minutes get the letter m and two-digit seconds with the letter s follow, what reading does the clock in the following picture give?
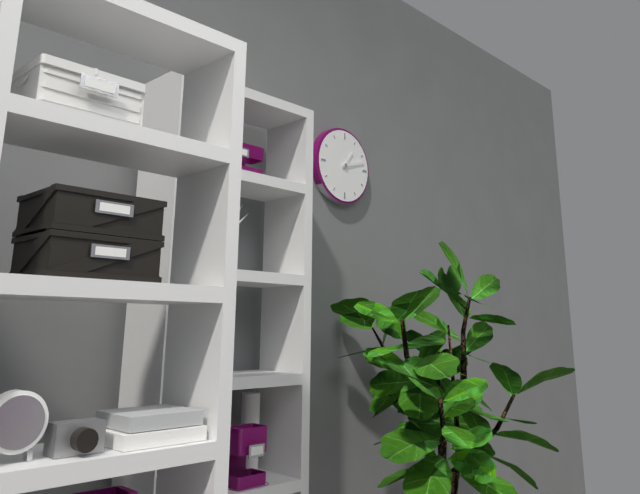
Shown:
1h12
